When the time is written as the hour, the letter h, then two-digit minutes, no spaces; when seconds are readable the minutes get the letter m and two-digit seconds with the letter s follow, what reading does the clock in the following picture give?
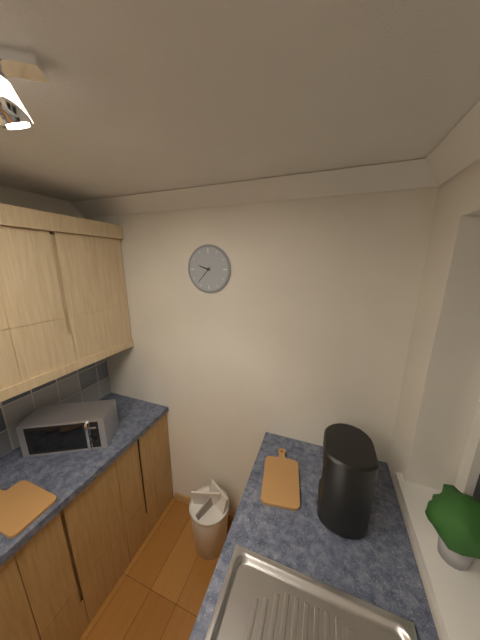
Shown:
9h37
